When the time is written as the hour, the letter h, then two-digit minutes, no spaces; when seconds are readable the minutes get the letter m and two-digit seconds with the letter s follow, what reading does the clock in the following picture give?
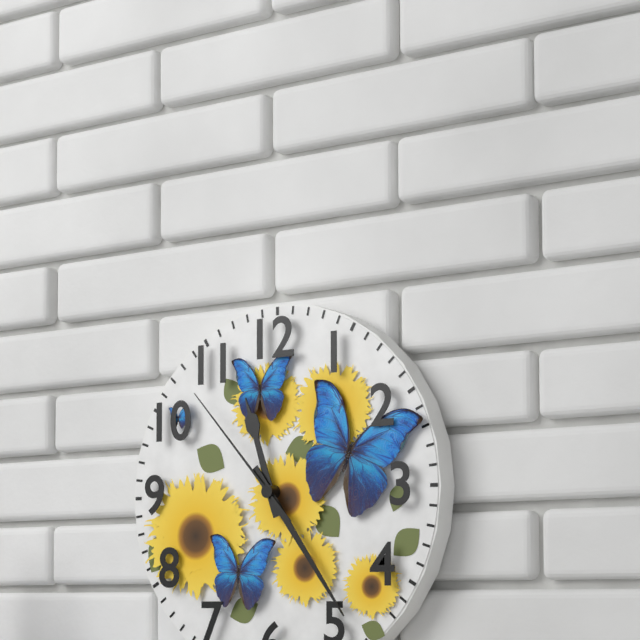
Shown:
11h24m53s
